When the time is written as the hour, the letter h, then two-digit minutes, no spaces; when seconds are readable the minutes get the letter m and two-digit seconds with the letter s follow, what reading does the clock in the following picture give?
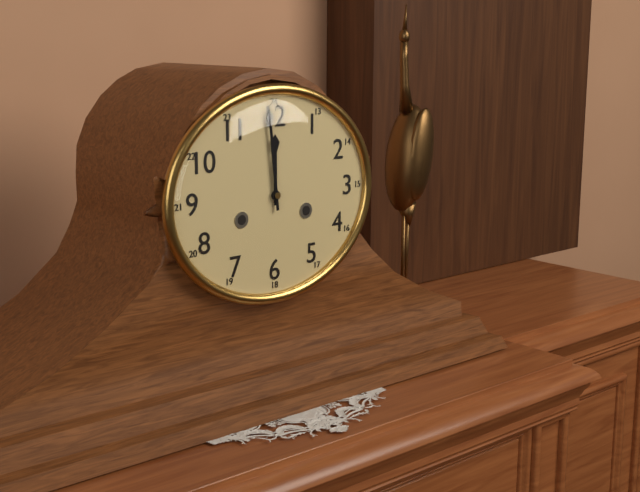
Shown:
11h59
